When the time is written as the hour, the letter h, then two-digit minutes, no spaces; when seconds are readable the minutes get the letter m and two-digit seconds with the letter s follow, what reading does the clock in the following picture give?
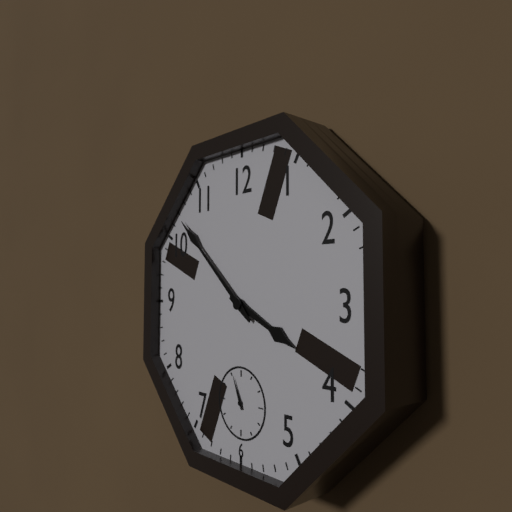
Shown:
3h52
